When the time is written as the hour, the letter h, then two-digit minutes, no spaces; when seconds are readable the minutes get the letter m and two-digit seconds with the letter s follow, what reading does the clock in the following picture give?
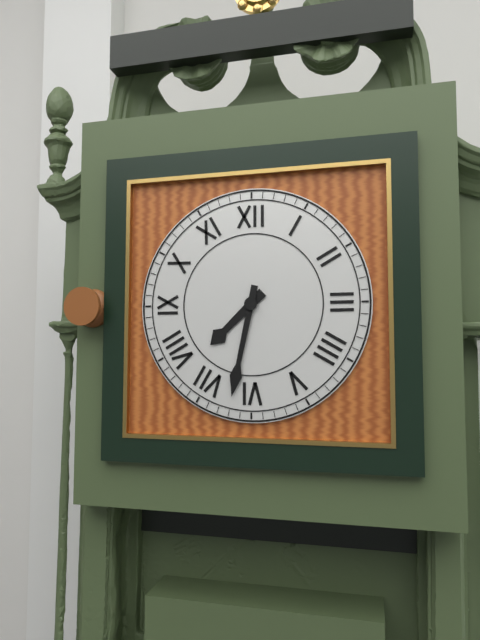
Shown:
7h32
